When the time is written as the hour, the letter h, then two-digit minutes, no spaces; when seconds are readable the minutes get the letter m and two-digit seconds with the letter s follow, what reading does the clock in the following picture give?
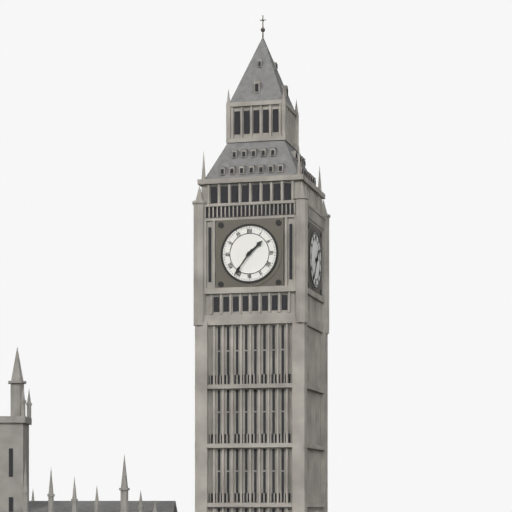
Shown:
1h36
